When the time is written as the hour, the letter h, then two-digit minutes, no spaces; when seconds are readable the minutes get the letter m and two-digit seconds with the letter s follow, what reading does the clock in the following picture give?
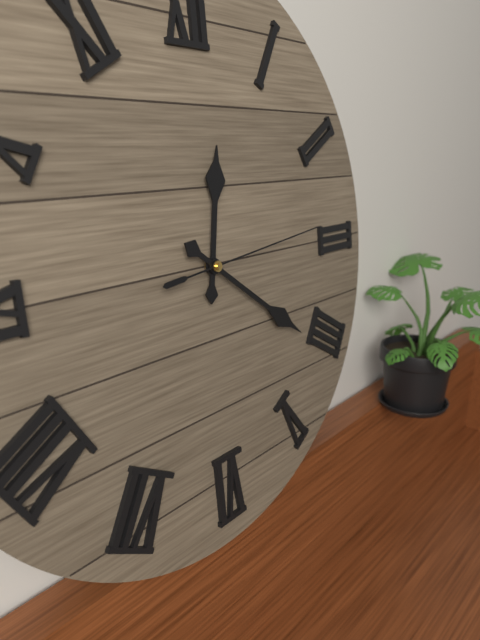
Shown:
12h21m14s
